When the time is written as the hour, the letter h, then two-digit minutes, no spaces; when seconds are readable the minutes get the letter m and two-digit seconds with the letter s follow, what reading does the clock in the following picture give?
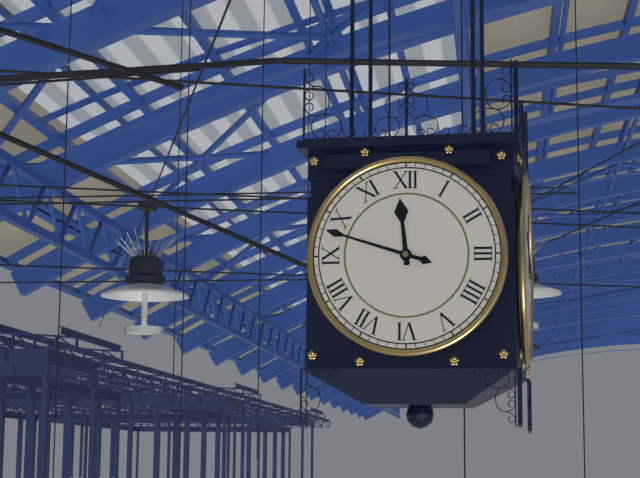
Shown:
11h48
